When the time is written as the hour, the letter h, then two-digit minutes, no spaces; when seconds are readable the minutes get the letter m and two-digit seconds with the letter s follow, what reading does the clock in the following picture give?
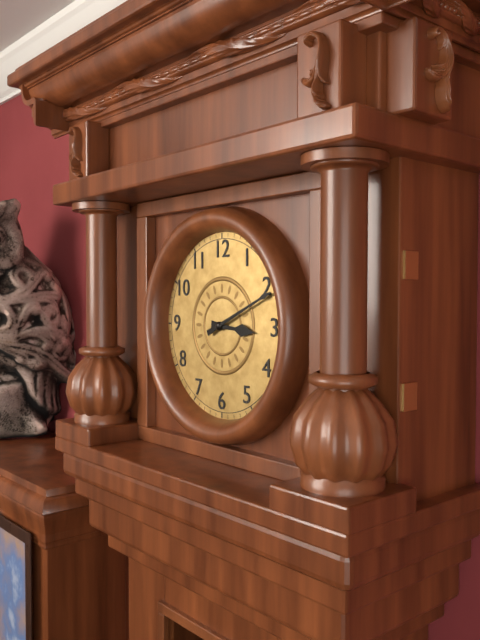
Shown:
3h11
